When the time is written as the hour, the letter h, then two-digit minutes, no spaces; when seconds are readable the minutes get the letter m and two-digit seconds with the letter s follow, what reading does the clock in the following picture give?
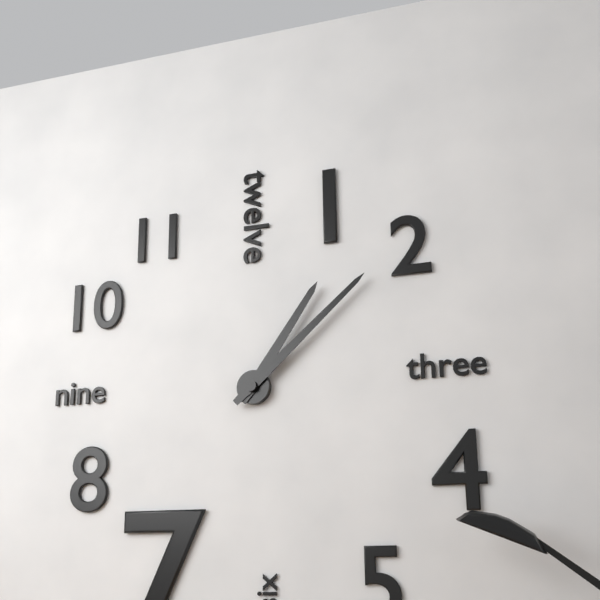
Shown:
1h08
